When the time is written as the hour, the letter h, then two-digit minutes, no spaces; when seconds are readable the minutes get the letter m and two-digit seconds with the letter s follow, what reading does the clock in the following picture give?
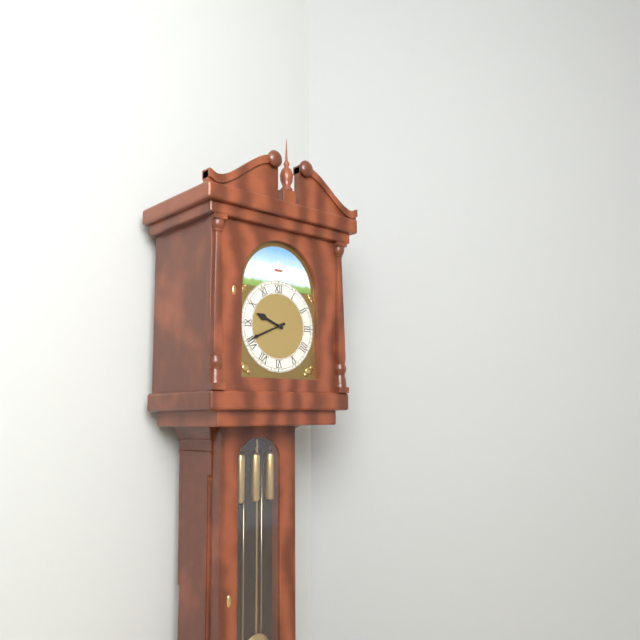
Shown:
9h41
